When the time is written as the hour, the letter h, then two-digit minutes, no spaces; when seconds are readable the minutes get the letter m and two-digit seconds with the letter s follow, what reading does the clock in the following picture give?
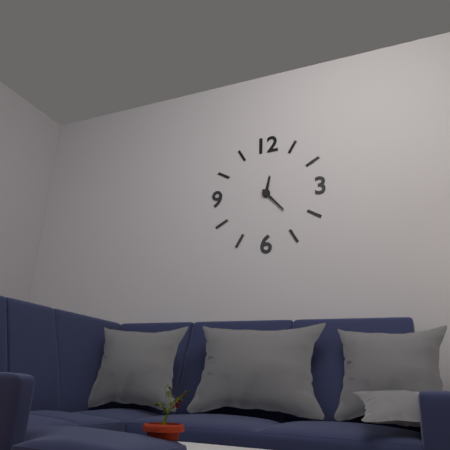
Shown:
12h23
